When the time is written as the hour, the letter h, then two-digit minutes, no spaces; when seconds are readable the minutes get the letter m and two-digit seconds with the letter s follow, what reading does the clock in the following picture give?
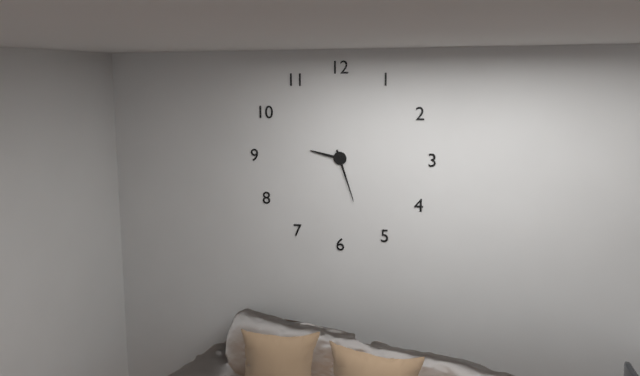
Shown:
9h27
